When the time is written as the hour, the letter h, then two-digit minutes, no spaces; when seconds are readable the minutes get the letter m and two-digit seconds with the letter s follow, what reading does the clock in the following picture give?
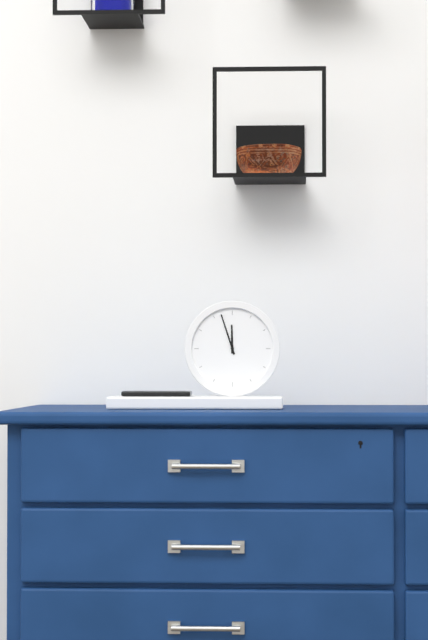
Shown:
11h57
